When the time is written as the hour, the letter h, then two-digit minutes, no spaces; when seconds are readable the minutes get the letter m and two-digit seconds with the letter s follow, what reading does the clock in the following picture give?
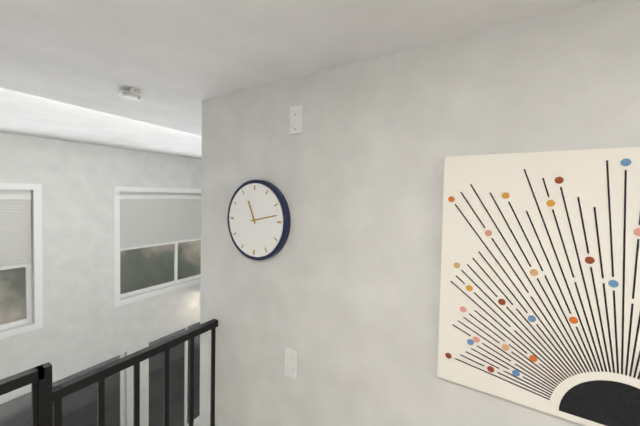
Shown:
11h13
